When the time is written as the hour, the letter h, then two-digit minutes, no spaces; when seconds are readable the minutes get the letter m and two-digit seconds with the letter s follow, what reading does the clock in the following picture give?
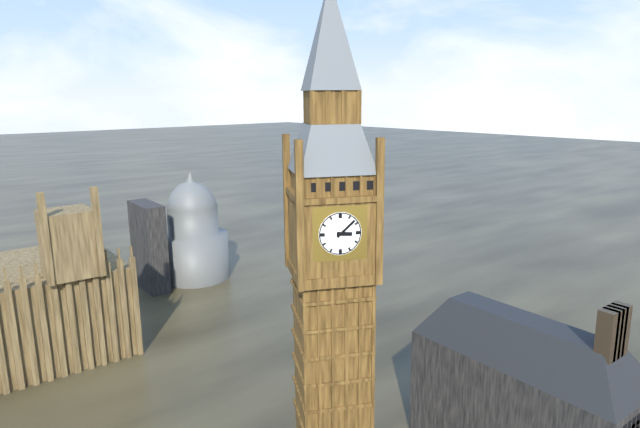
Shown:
3h08
